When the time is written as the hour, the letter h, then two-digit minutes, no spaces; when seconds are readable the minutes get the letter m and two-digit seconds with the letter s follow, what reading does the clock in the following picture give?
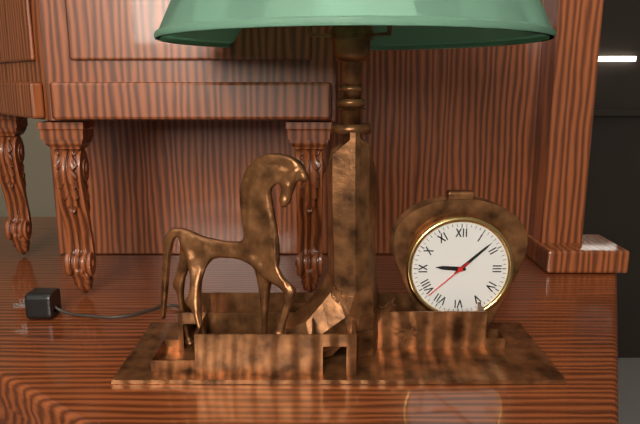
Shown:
9h08m38s
